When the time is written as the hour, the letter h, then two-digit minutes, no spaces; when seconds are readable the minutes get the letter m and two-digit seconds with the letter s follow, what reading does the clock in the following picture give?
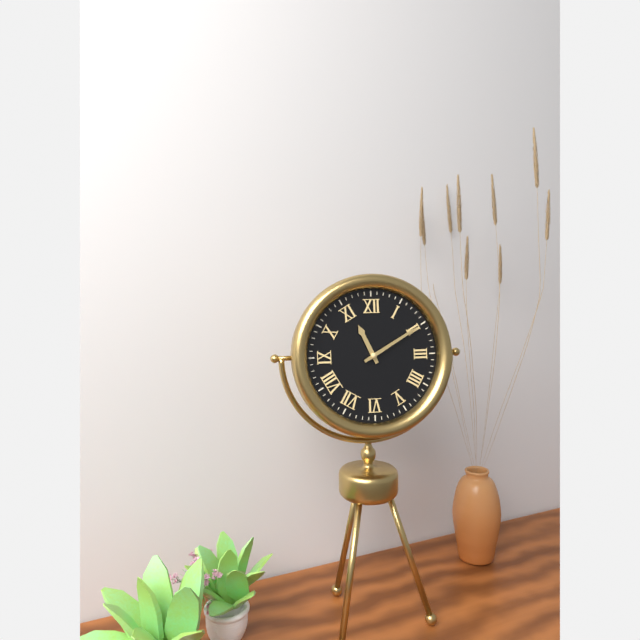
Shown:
11h10
